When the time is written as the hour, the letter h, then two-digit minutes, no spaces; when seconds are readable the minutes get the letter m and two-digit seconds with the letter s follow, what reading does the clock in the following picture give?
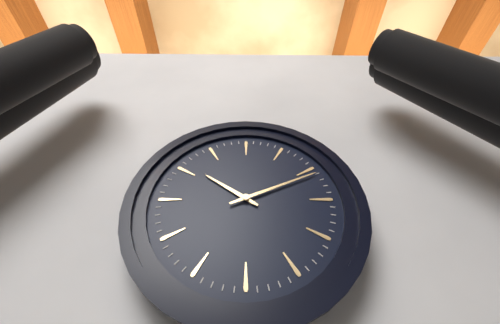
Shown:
10h11
